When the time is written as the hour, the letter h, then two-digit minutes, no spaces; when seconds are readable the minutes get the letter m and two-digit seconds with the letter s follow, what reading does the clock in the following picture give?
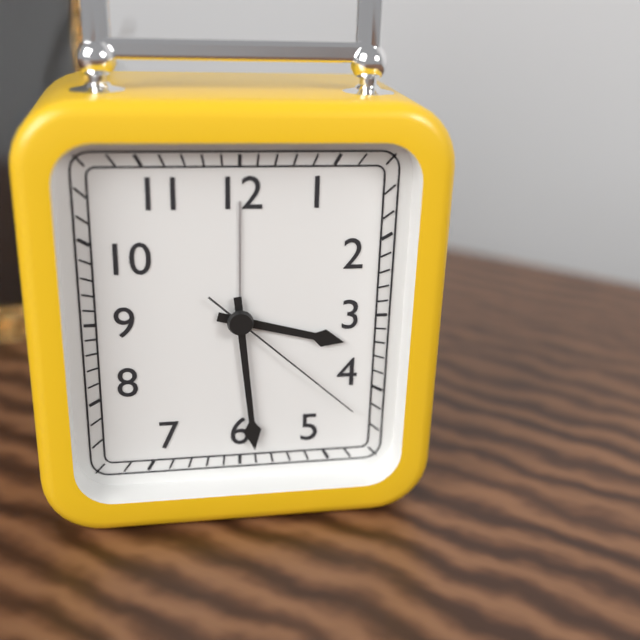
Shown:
3h29m22s
